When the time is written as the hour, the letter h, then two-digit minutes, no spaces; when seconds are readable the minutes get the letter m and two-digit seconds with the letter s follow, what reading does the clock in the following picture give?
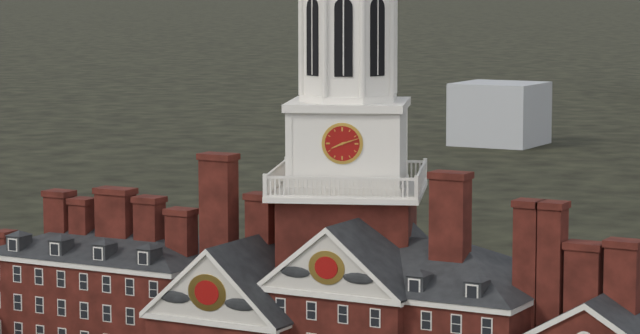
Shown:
8h12
